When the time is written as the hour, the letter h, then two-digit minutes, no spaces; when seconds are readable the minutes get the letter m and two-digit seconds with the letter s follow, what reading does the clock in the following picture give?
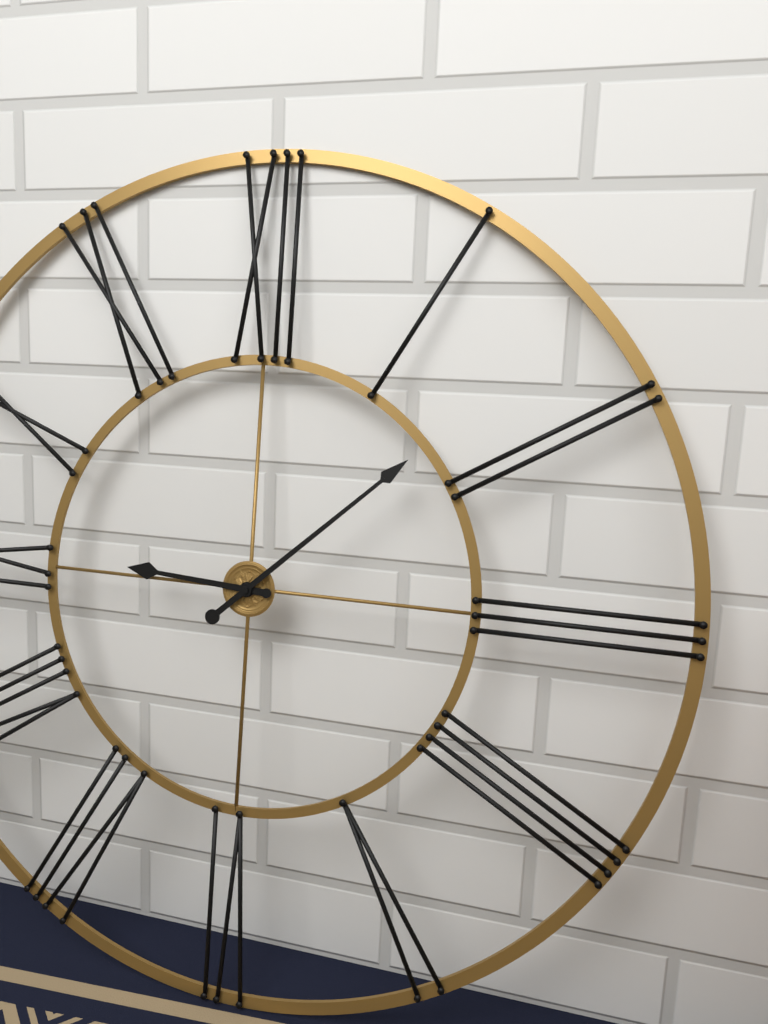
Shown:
9h08
